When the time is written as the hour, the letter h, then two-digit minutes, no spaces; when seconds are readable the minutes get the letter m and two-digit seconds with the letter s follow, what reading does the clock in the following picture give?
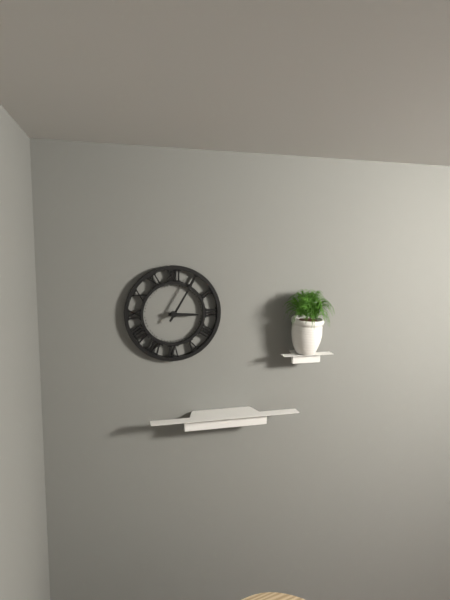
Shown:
3h05
